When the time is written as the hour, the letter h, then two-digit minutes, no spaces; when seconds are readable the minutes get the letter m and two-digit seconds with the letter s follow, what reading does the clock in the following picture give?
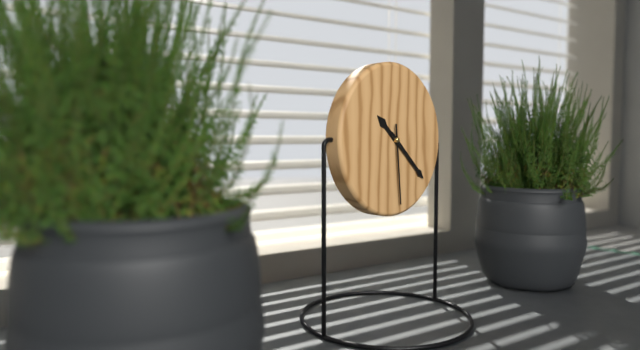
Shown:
10h22m29s
